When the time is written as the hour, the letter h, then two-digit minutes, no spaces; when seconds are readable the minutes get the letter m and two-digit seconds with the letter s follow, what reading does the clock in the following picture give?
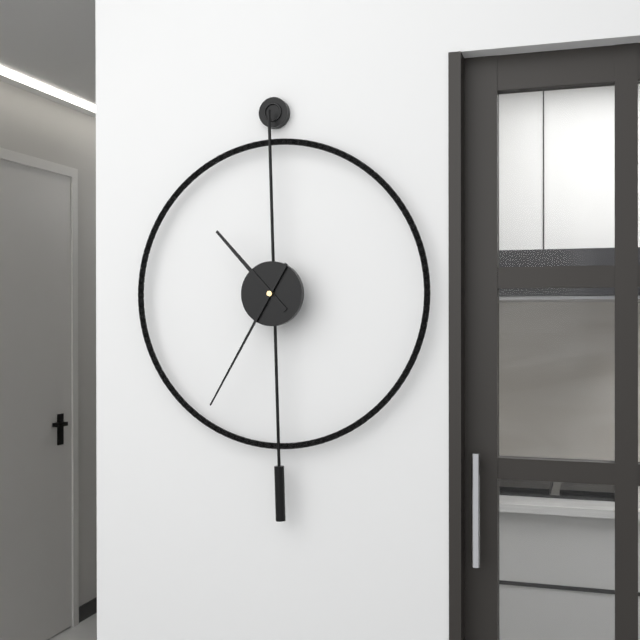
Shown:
10h35
